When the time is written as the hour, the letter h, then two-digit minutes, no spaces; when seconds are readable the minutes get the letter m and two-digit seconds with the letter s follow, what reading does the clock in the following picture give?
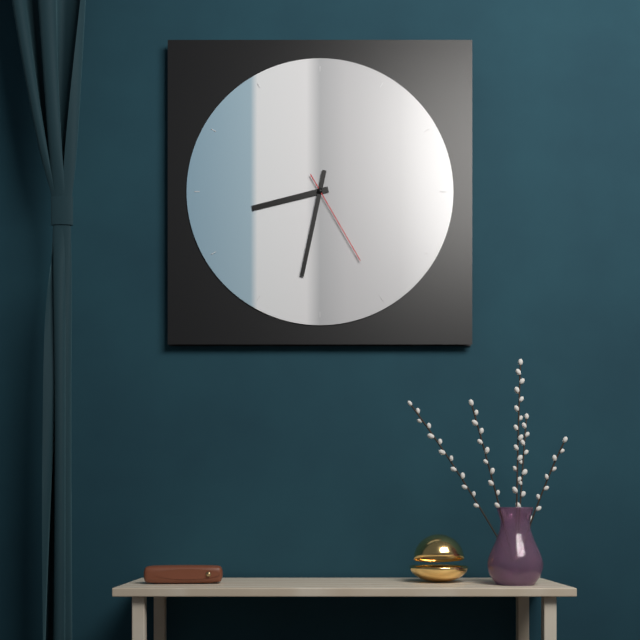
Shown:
8h32m25s
